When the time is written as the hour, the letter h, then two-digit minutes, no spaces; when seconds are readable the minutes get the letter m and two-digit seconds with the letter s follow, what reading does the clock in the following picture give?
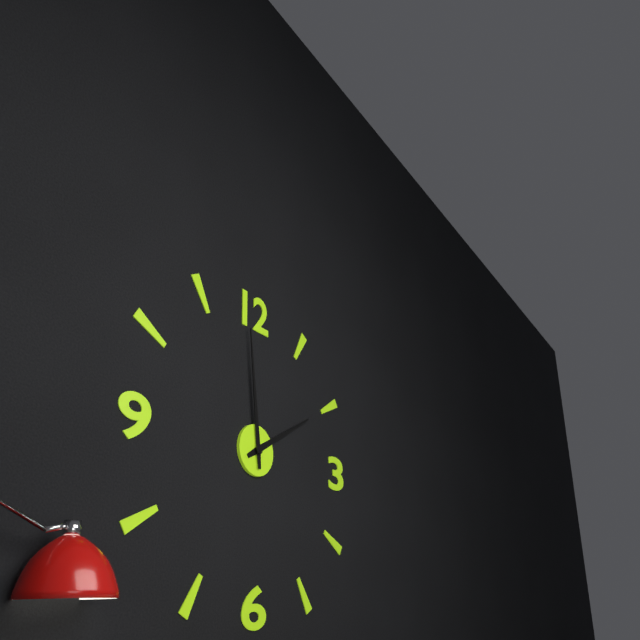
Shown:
1h59
